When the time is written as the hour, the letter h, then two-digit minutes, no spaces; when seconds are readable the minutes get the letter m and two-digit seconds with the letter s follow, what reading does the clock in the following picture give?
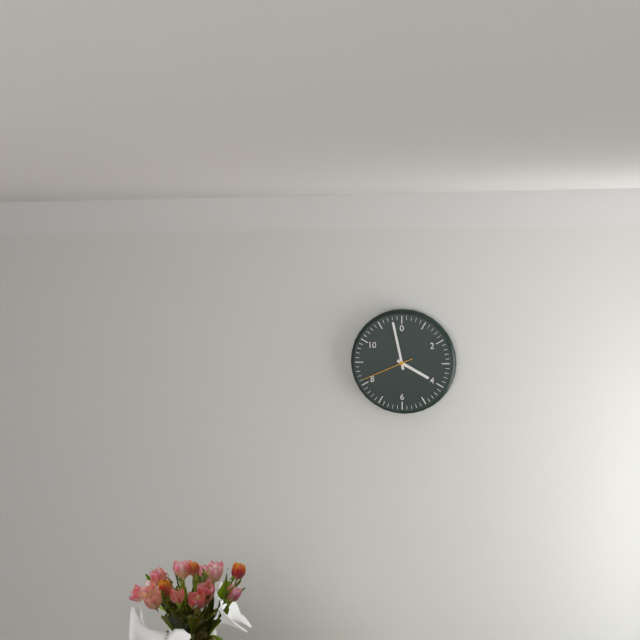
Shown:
3h58m41s
